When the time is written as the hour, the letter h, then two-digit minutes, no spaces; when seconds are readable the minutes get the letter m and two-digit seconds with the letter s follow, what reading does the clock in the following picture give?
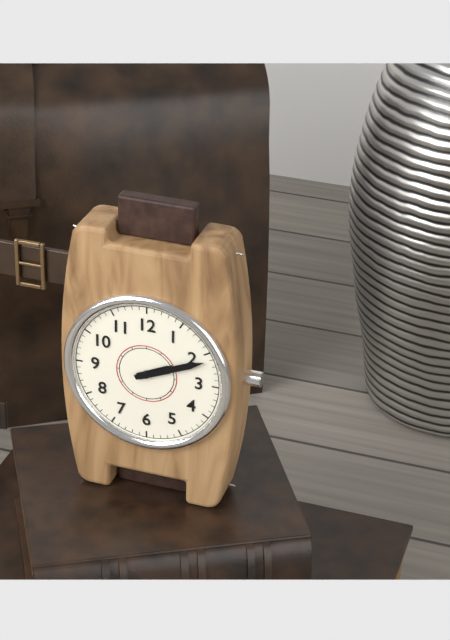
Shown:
2h11
